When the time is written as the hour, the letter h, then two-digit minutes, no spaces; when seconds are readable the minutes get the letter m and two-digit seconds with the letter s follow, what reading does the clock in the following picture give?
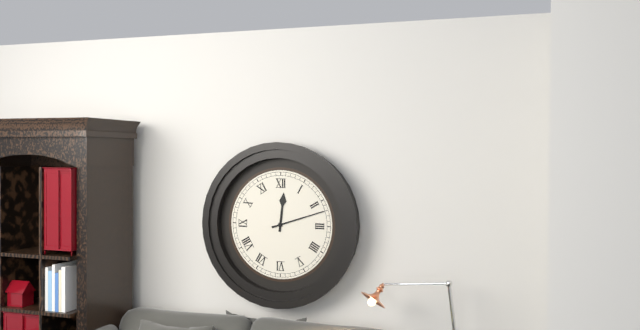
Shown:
12h12
